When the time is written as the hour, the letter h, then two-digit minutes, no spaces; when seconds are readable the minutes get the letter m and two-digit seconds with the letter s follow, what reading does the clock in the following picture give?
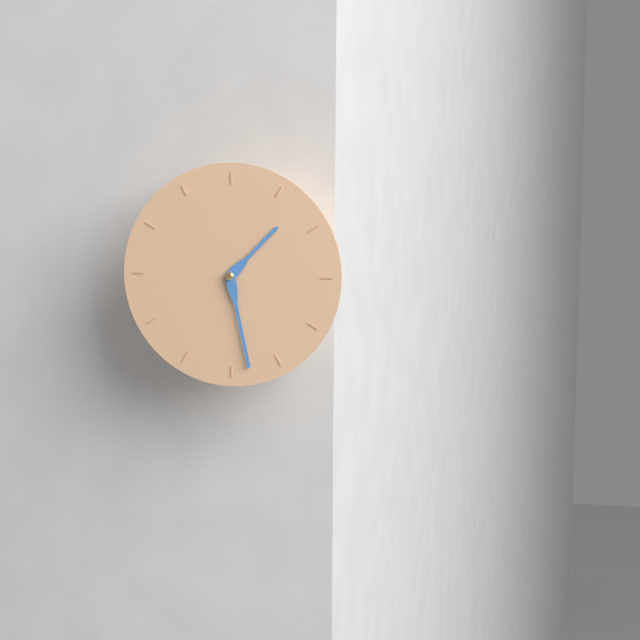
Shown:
1h28
